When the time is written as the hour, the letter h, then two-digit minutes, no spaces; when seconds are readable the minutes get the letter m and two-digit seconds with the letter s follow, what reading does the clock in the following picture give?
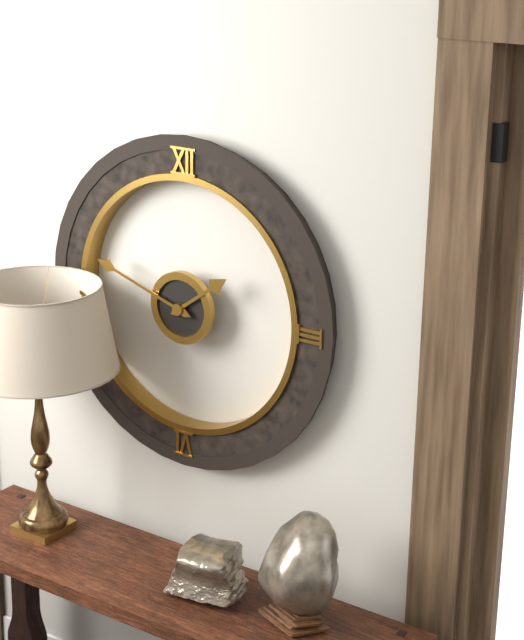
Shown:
1h48
